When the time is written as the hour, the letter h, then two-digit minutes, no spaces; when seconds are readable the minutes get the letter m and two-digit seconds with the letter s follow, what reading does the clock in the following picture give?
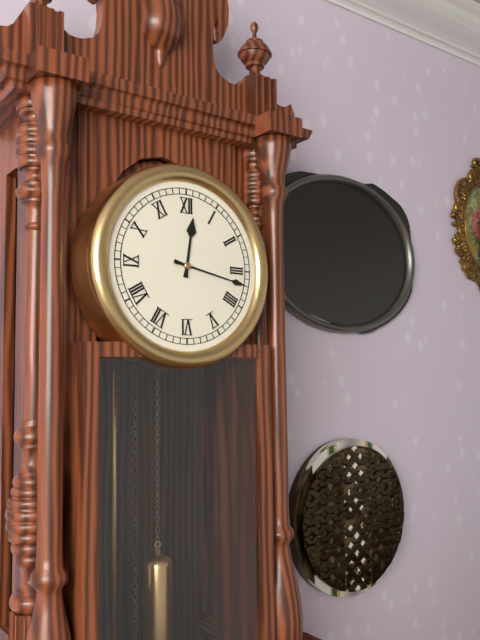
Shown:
12h17
